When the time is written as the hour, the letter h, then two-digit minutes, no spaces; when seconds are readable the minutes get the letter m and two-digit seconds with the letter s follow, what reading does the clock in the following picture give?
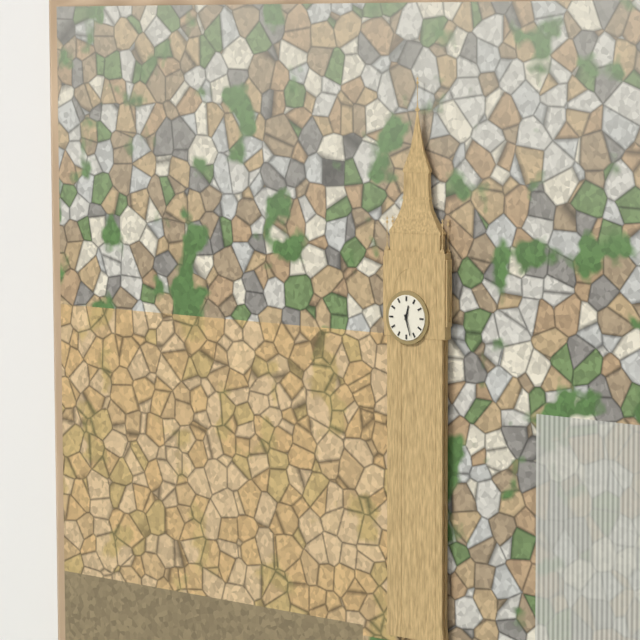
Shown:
12h27
